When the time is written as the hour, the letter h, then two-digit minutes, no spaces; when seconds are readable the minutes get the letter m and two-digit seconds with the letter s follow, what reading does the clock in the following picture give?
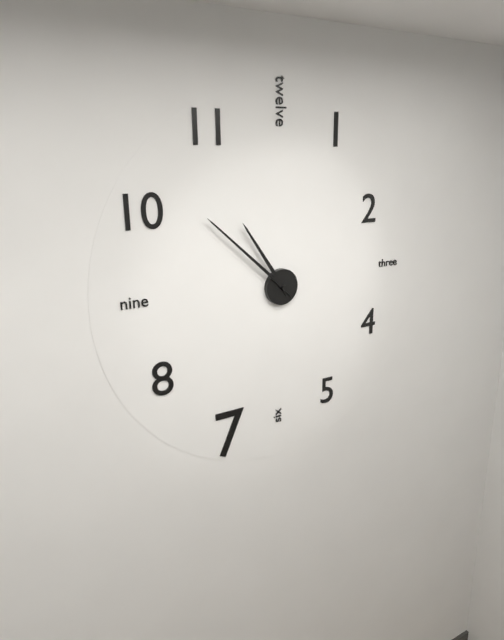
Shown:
10h52
